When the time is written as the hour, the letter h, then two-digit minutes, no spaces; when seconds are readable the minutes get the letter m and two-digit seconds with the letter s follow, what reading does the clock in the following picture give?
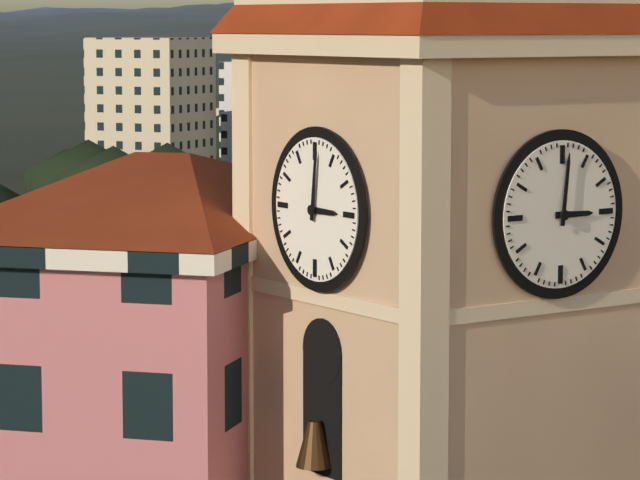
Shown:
3h01
